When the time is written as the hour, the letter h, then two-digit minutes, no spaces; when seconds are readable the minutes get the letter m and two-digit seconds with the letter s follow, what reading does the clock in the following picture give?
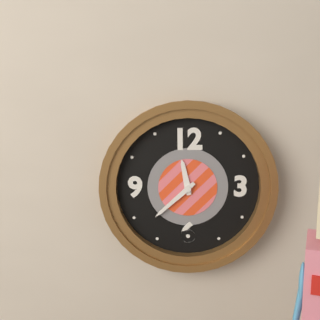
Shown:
11h38
